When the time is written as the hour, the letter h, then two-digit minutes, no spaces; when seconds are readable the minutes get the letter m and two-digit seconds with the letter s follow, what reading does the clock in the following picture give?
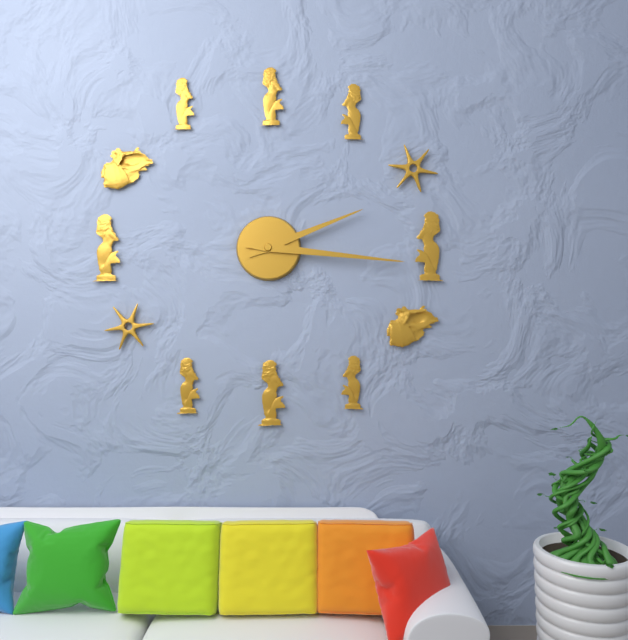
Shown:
2h16
